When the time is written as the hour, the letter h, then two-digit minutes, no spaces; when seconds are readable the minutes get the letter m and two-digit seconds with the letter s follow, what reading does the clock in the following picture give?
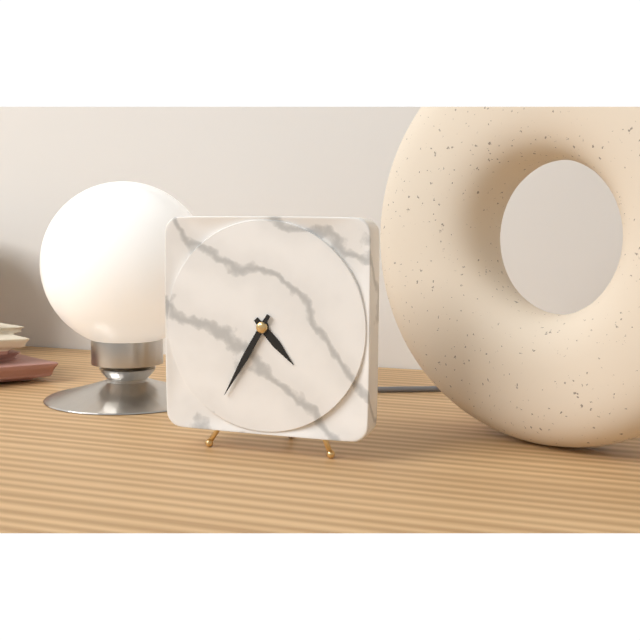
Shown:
4h35
